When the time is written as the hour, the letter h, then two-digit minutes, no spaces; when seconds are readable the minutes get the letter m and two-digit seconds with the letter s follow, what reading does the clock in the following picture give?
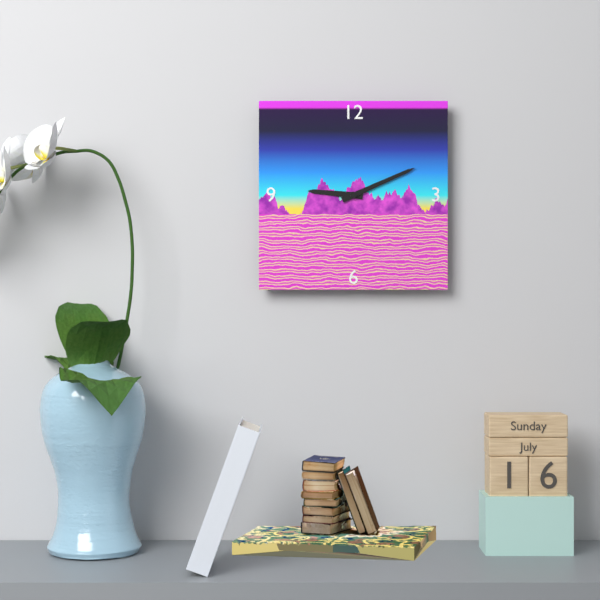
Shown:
9h11
